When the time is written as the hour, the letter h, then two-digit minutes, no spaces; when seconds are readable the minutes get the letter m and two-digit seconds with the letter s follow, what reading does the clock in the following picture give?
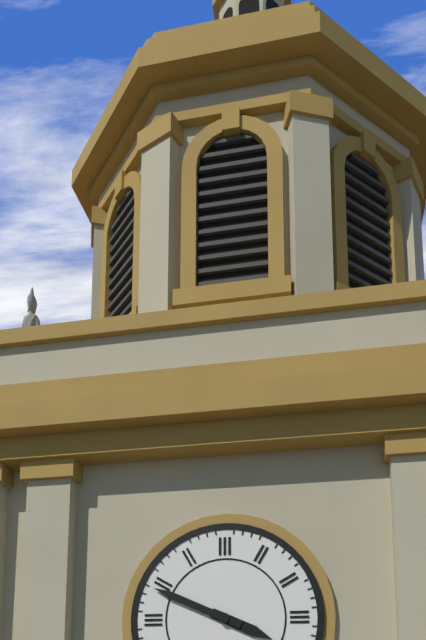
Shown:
3h49
